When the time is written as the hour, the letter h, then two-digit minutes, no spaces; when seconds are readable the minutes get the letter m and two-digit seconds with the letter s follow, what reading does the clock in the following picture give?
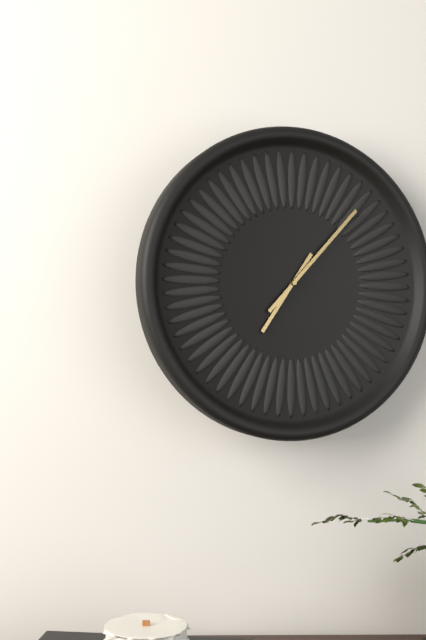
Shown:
7h07
